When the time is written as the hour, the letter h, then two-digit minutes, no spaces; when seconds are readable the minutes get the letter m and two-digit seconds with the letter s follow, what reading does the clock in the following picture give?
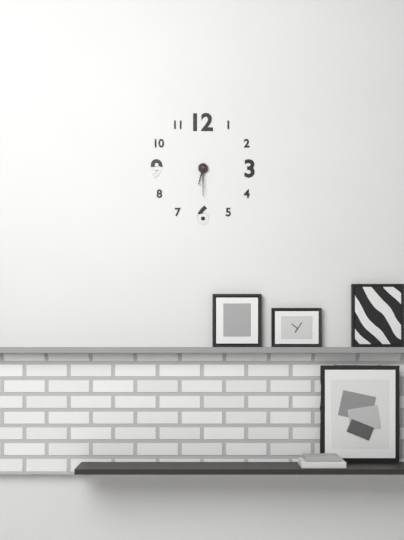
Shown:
6h30
